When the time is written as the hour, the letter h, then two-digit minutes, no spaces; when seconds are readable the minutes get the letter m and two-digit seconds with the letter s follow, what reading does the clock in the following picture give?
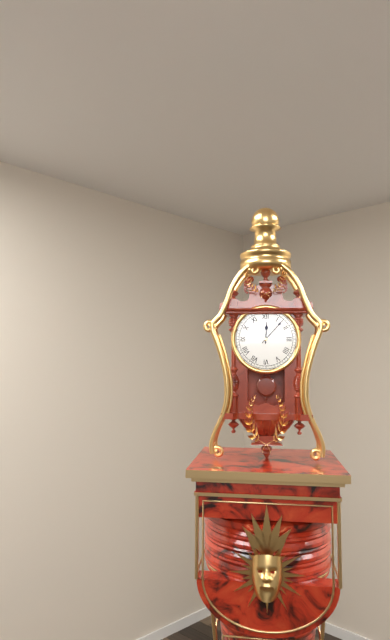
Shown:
12h07
